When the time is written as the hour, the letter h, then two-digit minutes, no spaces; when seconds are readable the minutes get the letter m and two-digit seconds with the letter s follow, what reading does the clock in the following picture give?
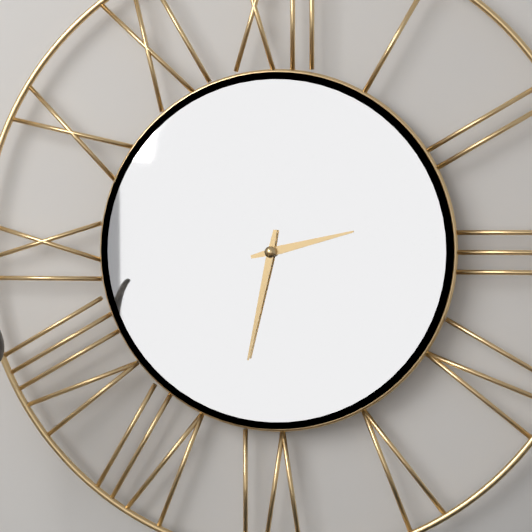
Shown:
2h32
